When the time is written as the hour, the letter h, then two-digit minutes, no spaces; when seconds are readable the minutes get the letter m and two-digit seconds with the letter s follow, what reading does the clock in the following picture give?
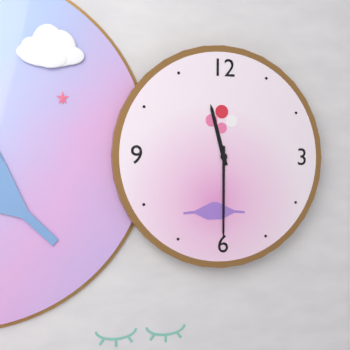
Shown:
11h30
